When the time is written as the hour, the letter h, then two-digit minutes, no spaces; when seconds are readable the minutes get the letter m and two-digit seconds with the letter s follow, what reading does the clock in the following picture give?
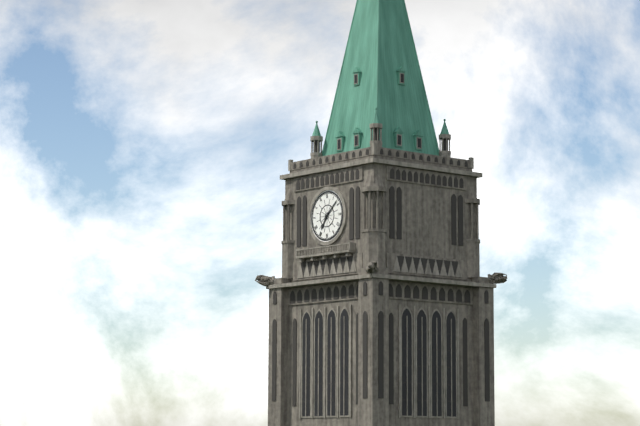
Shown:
7h08
